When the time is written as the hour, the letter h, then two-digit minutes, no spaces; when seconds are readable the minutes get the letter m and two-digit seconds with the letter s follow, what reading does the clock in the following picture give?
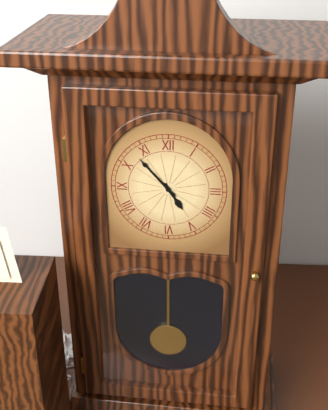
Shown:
4h53
